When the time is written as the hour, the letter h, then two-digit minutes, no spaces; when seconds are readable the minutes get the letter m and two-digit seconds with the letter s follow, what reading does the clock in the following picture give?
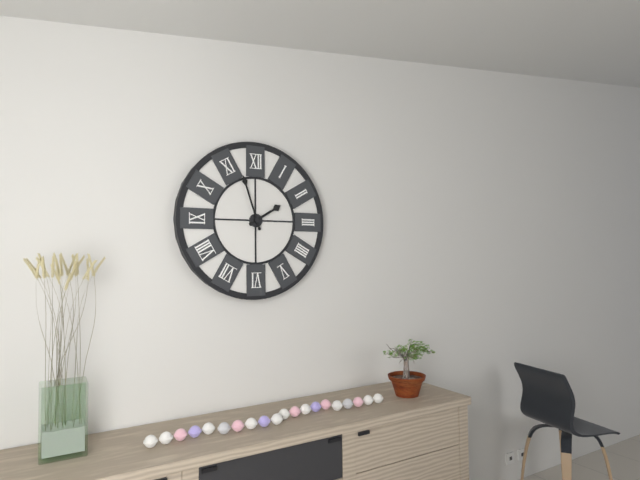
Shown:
1h57
